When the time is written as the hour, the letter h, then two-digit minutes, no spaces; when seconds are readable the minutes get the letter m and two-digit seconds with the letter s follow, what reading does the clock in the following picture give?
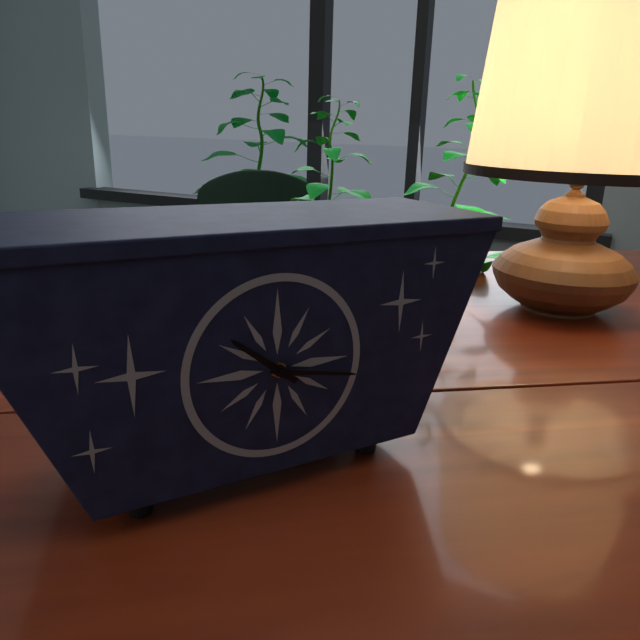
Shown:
10h17
